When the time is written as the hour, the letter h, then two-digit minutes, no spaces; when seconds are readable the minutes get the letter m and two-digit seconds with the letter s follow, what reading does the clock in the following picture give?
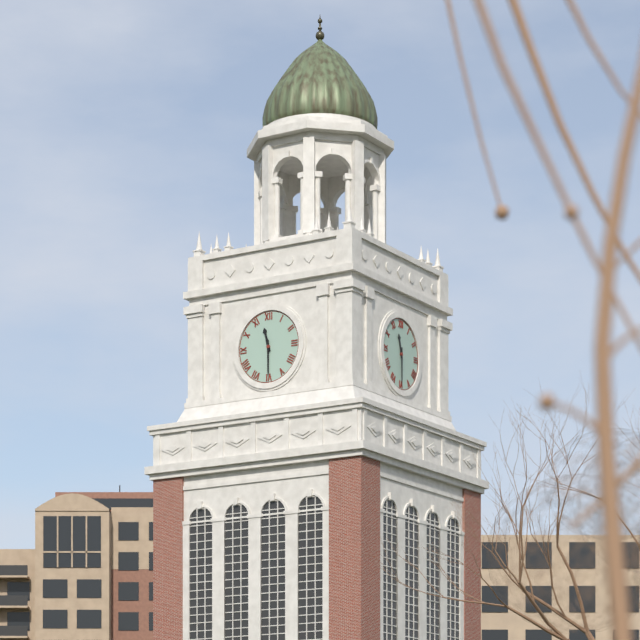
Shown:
11h30
